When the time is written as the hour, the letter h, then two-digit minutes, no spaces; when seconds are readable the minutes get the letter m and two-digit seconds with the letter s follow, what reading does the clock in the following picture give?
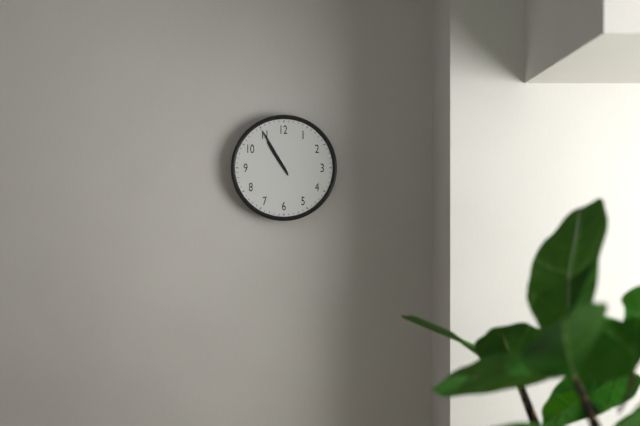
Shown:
10h55
